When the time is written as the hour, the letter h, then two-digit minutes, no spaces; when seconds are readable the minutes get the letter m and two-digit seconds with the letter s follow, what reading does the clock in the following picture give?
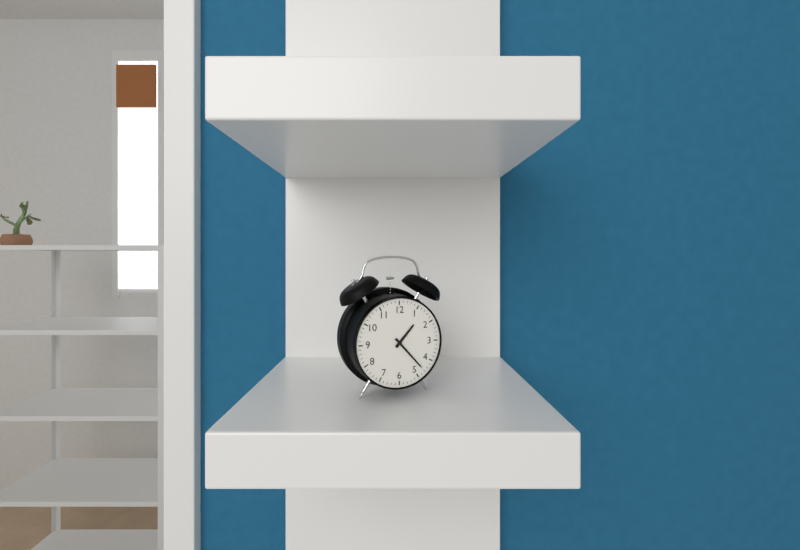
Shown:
1h23
